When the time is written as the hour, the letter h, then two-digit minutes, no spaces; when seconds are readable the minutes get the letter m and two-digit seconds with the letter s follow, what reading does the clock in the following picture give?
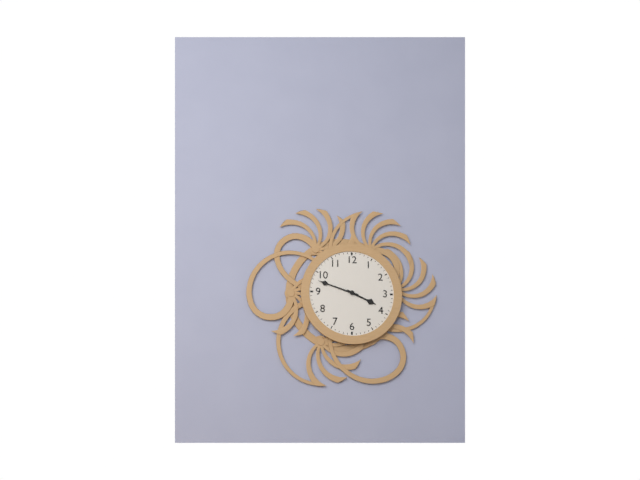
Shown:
3h48
